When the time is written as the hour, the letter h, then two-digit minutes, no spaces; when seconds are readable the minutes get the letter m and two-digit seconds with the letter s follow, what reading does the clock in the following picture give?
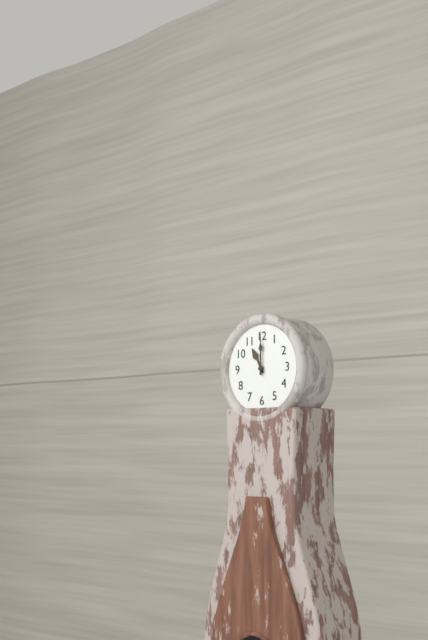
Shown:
11h00
